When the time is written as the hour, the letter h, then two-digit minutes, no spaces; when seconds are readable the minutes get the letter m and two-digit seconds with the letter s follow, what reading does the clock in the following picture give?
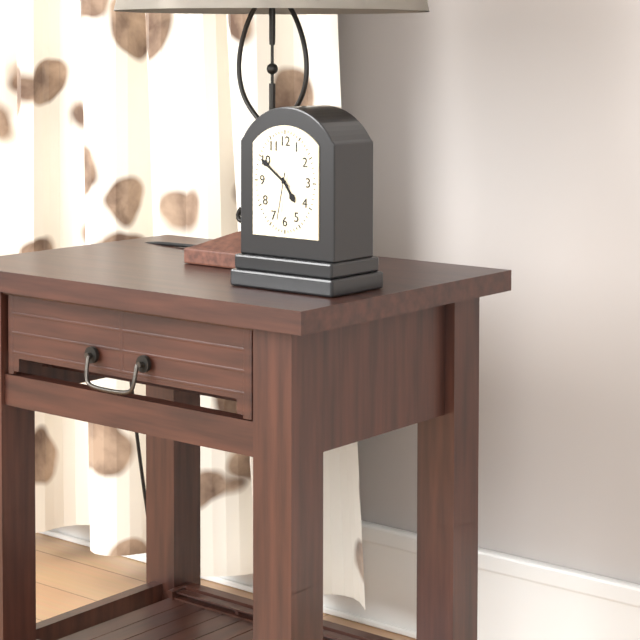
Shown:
4h51
